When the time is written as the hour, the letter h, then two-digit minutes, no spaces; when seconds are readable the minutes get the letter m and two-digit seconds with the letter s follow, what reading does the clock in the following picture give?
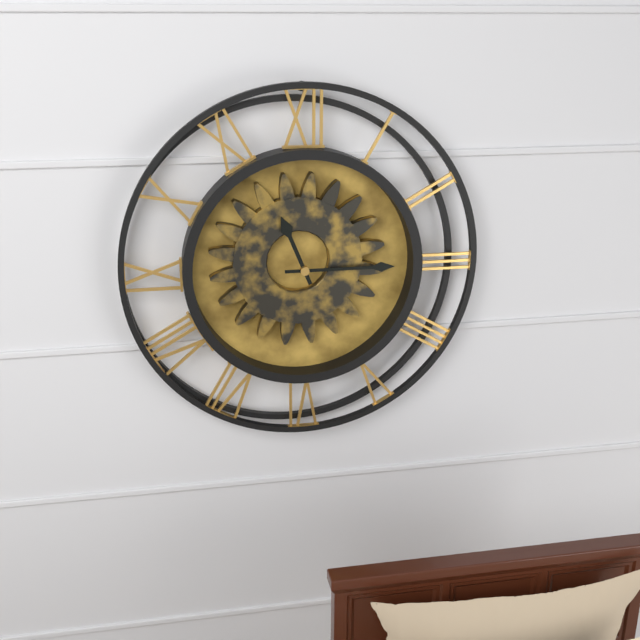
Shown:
11h15
